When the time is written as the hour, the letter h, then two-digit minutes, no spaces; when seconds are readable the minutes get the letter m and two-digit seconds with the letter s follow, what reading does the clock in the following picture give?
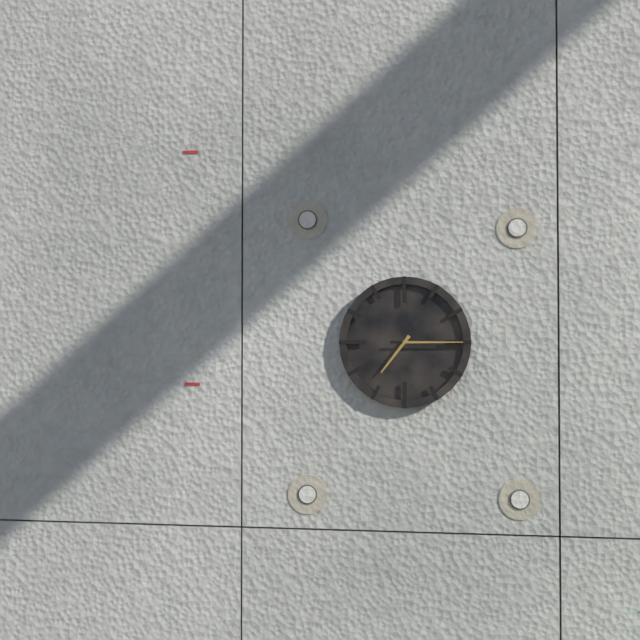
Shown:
7h15
